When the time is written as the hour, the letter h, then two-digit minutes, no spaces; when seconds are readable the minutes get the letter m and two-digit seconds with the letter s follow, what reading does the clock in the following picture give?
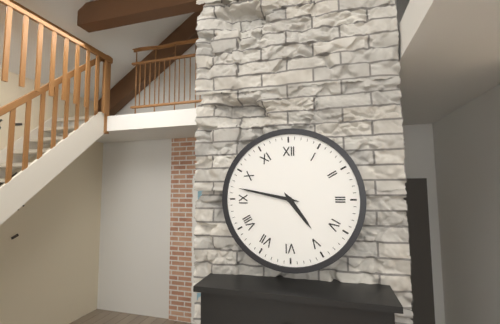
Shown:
4h47
